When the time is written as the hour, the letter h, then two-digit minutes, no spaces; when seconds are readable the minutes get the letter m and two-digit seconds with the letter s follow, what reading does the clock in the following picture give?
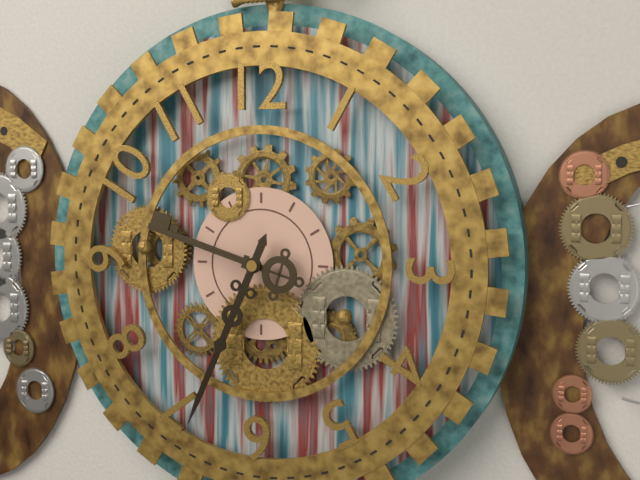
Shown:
9h34
